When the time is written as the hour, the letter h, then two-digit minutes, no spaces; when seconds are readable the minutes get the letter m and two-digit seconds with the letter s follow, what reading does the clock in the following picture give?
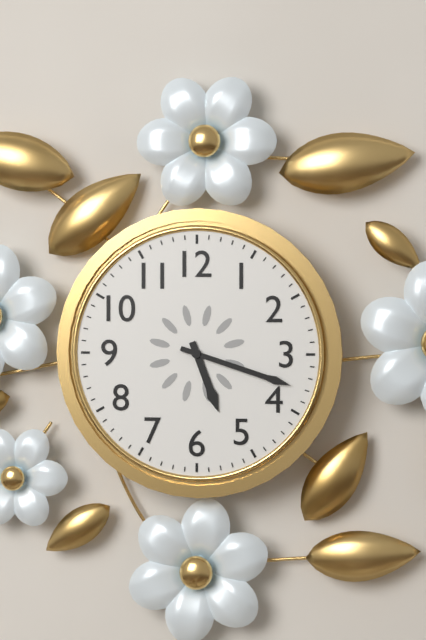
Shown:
5h18
